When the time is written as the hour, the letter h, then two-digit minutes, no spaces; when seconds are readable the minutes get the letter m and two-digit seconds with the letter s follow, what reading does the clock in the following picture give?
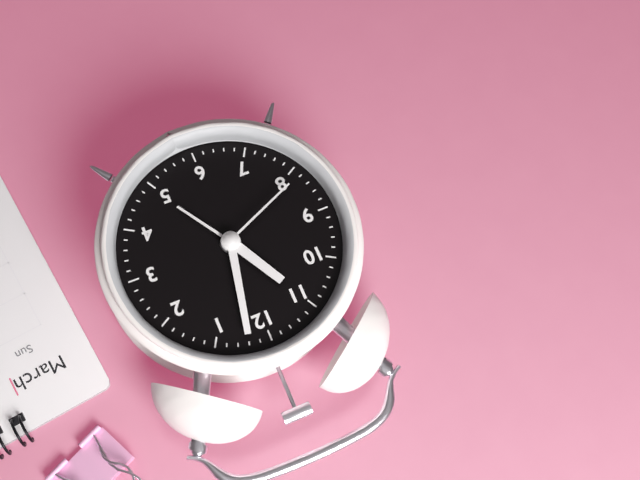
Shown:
11h02m41s
